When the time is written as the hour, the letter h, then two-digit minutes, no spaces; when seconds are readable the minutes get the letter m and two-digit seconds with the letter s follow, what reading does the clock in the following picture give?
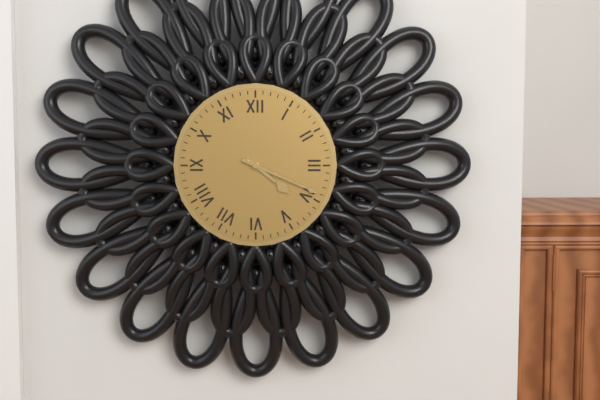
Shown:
4h19
